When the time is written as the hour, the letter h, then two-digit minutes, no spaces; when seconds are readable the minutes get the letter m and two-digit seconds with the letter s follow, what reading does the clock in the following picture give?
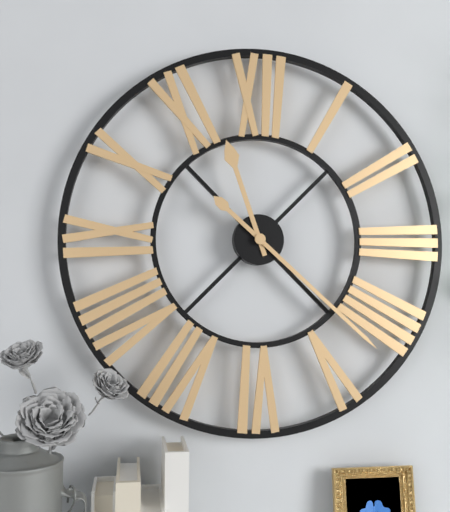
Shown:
11h22
